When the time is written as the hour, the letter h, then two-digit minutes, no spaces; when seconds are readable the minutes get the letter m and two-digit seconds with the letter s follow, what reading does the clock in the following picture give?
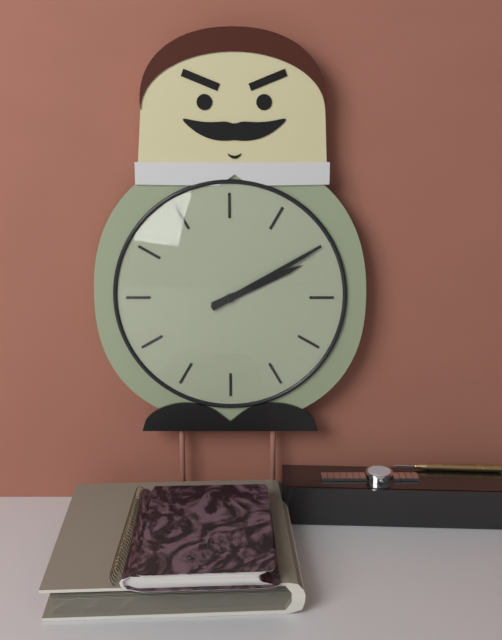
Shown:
2h10
